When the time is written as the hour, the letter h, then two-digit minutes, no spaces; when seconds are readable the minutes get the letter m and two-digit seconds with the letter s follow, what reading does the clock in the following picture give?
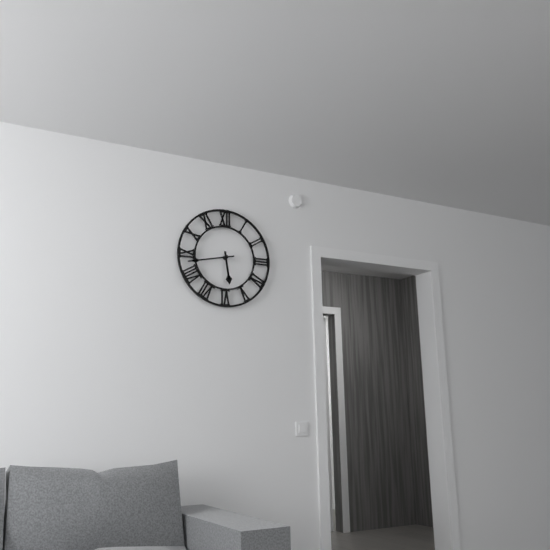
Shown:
5h43
